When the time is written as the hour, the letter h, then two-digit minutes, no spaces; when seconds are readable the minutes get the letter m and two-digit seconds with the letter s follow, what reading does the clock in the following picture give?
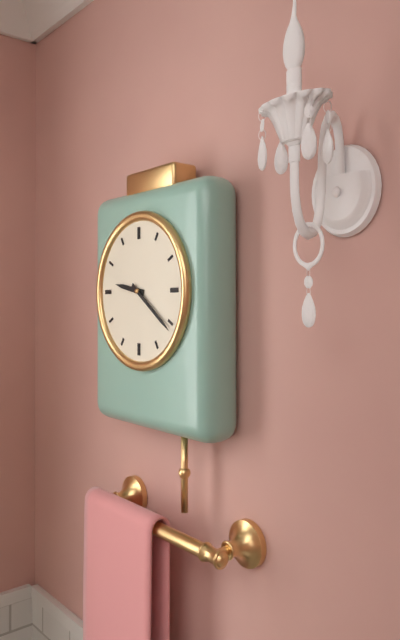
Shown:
9h21
